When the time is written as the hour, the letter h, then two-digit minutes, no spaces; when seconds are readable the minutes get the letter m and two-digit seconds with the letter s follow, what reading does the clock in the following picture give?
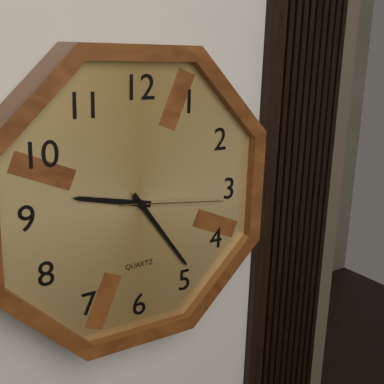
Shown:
9h24m16s
